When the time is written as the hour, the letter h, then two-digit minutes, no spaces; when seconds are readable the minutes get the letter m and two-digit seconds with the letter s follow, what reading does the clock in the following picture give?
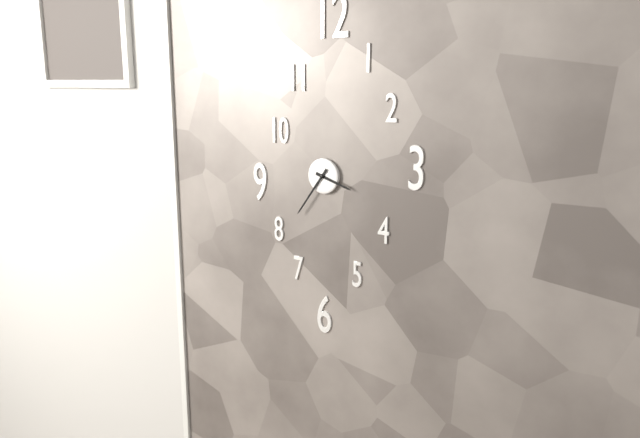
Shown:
3h36
